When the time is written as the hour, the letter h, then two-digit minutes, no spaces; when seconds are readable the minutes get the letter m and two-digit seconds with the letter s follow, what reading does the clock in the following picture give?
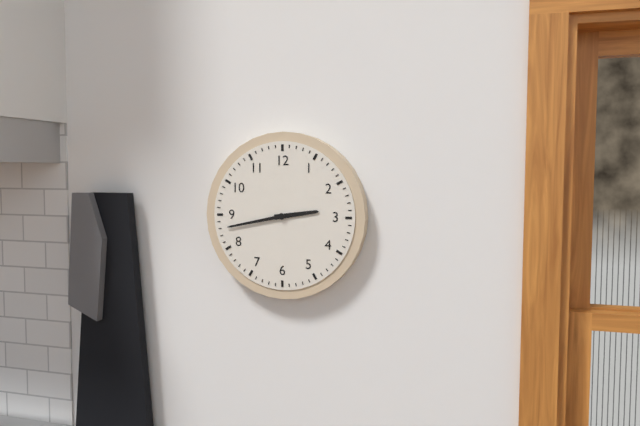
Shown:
2h43
